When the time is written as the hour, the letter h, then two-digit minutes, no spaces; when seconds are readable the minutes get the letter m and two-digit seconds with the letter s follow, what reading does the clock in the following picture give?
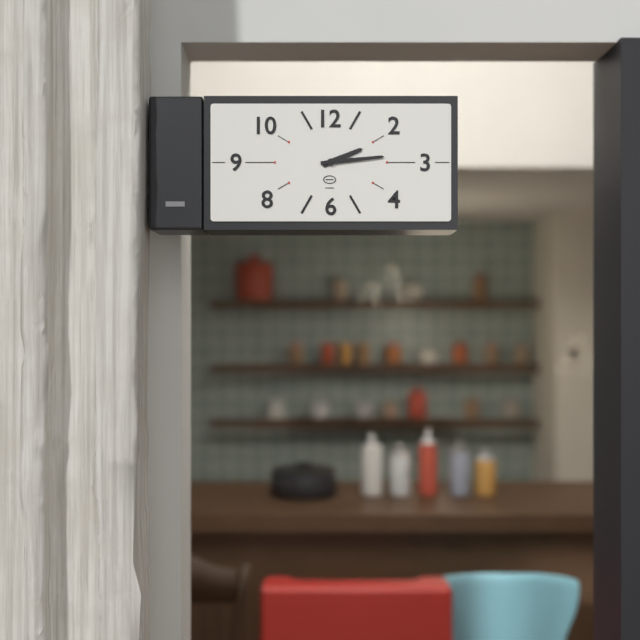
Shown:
2h14
